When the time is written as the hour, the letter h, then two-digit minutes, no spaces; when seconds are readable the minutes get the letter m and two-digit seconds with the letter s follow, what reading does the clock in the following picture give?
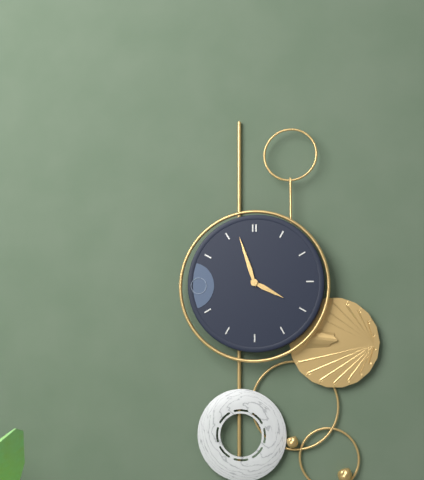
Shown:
3h57
